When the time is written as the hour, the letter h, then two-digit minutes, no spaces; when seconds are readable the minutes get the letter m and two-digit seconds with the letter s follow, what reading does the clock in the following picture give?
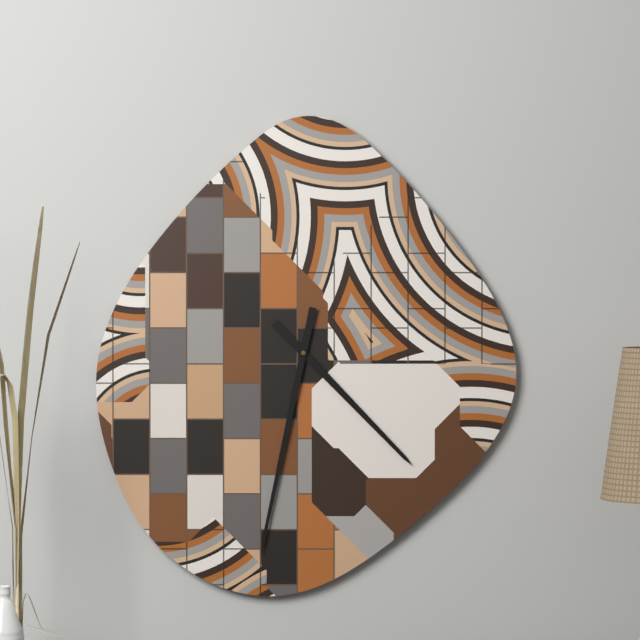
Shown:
4h32
